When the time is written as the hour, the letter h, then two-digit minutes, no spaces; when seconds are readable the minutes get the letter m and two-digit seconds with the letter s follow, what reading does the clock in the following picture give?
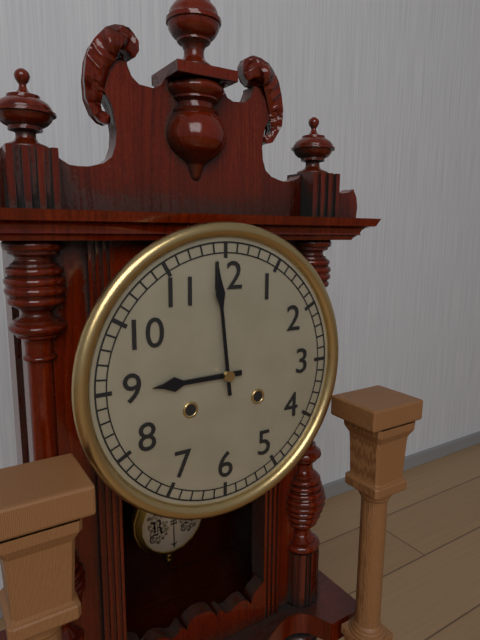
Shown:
8h59
